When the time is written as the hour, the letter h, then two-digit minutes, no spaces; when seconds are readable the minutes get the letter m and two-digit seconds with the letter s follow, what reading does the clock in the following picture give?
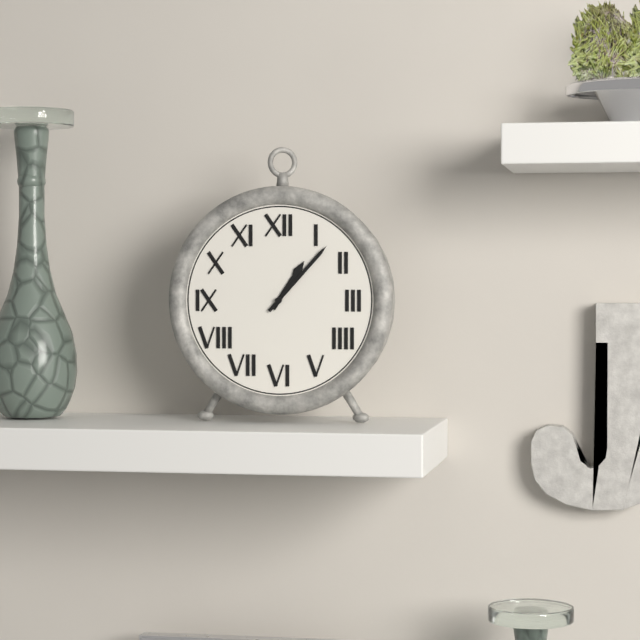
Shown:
1h07
